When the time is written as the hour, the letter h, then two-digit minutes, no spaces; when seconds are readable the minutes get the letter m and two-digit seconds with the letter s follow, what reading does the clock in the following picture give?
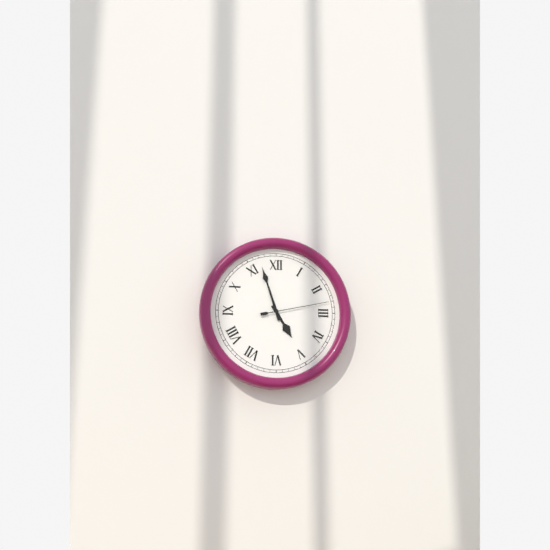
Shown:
4h57m13s
